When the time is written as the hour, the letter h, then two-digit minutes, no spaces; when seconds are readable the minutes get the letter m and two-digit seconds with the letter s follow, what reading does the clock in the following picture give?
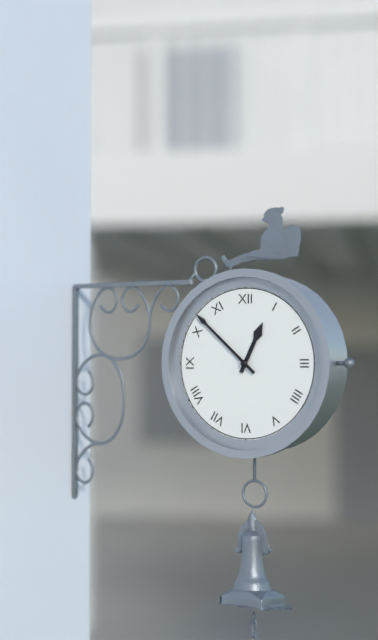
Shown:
12h52
